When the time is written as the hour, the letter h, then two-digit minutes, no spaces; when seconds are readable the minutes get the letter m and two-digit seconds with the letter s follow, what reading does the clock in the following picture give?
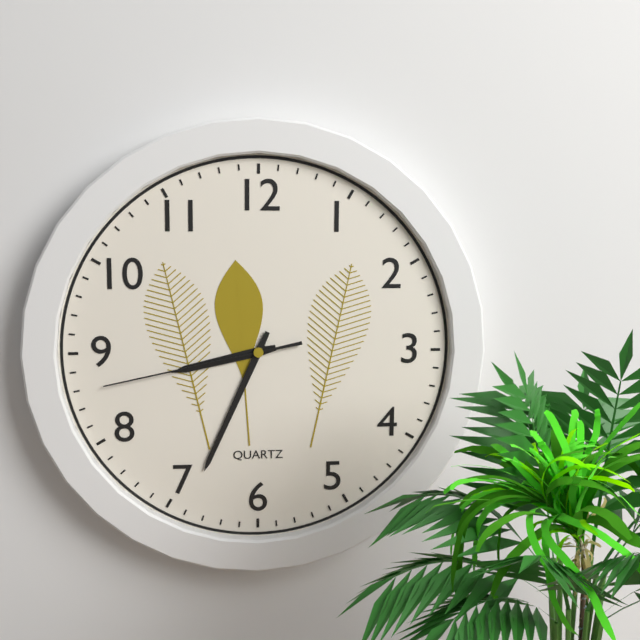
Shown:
8h34m43s
